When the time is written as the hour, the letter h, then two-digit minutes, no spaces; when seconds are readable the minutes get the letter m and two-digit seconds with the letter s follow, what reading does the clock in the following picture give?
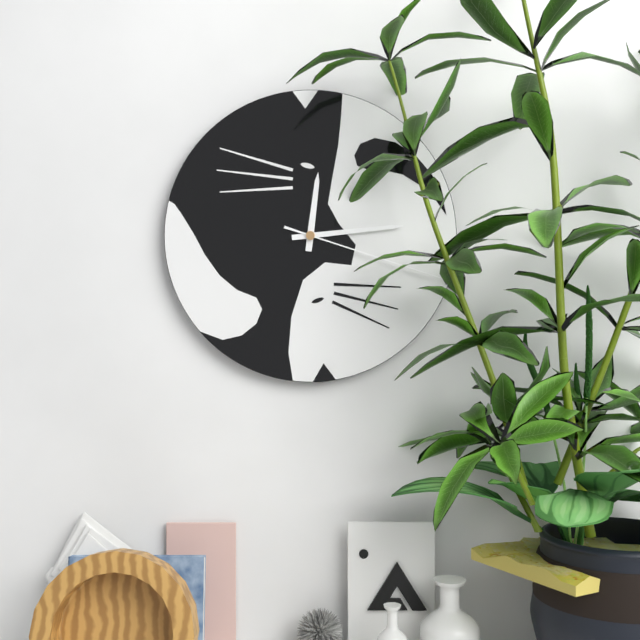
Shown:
12h14m18s
